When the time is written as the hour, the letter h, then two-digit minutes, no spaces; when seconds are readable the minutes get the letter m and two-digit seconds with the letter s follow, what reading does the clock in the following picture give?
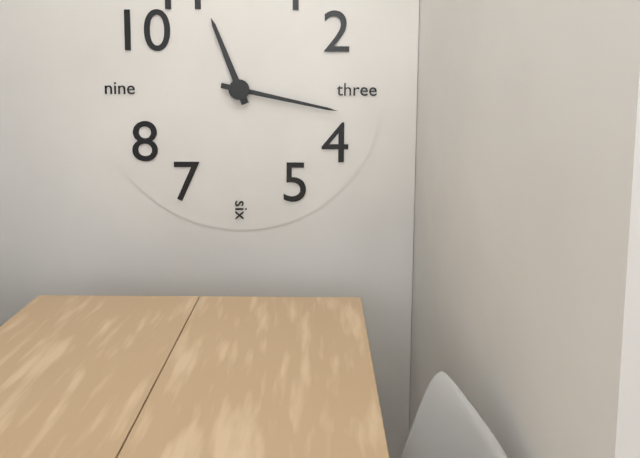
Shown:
11h17
